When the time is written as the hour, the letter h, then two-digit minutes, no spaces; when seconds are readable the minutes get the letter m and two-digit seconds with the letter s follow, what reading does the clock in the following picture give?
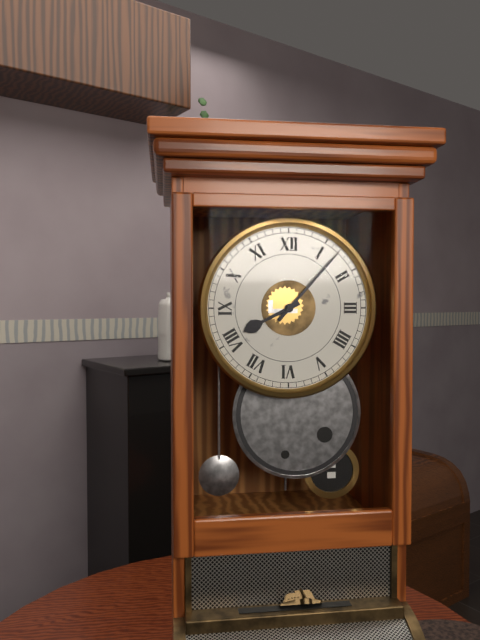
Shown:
8h07
